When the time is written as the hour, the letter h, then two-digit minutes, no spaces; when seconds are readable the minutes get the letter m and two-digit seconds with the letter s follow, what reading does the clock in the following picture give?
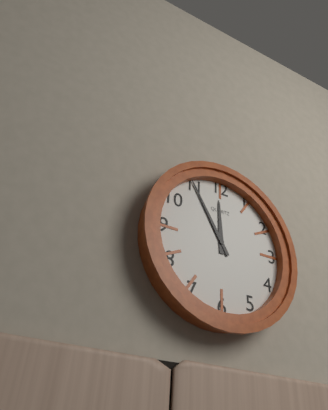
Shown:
11h55
